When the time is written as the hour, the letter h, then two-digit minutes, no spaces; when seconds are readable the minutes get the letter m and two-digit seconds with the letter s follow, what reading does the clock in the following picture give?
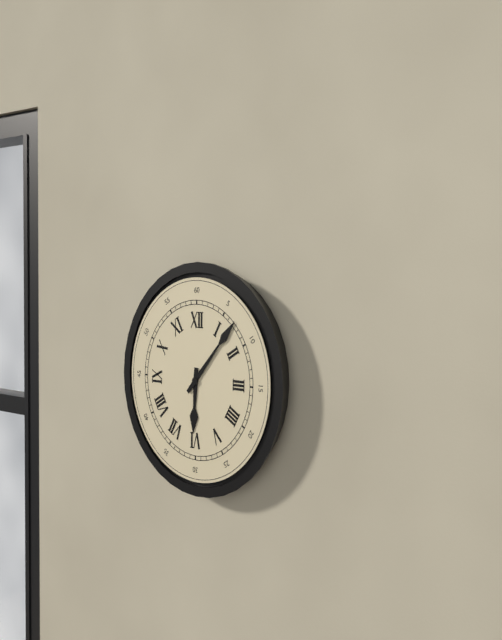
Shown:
6h07
